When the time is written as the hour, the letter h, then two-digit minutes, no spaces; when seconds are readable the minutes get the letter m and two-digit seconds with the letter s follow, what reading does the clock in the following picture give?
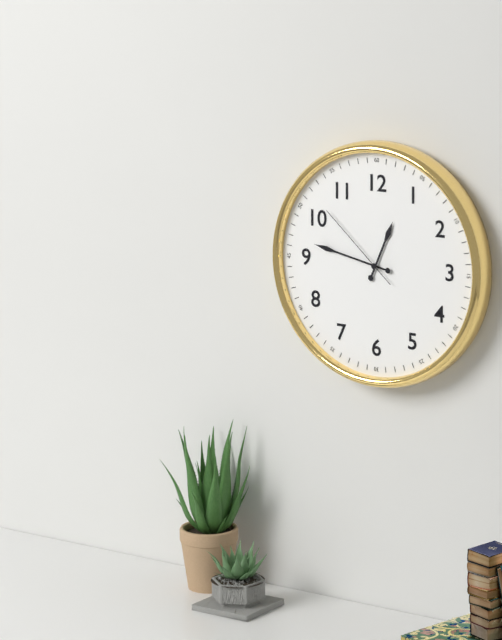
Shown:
12h47m52s
